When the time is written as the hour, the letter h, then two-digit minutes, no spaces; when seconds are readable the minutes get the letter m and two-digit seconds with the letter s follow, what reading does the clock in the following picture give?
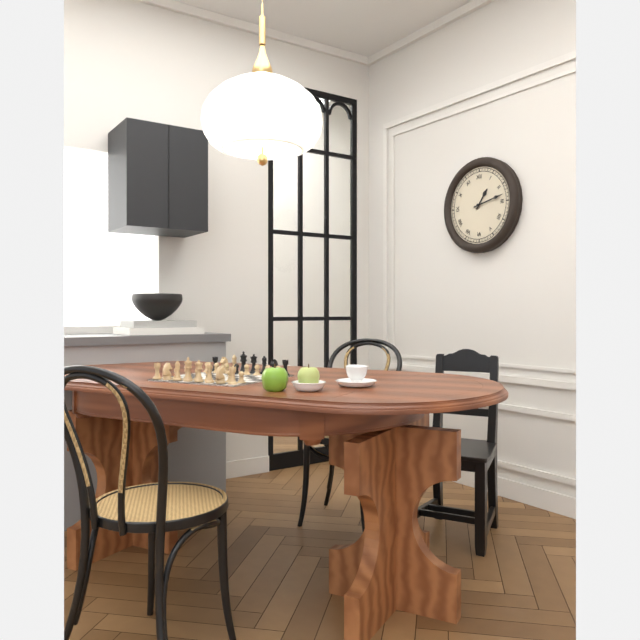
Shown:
1h13
